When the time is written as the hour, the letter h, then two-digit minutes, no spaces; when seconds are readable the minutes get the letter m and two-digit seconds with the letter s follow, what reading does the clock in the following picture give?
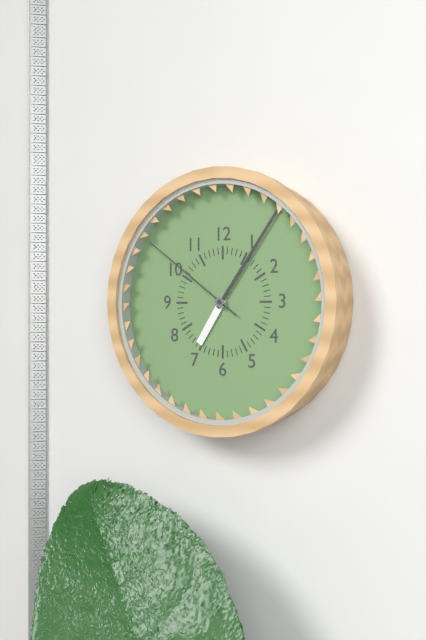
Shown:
7h06m51s
